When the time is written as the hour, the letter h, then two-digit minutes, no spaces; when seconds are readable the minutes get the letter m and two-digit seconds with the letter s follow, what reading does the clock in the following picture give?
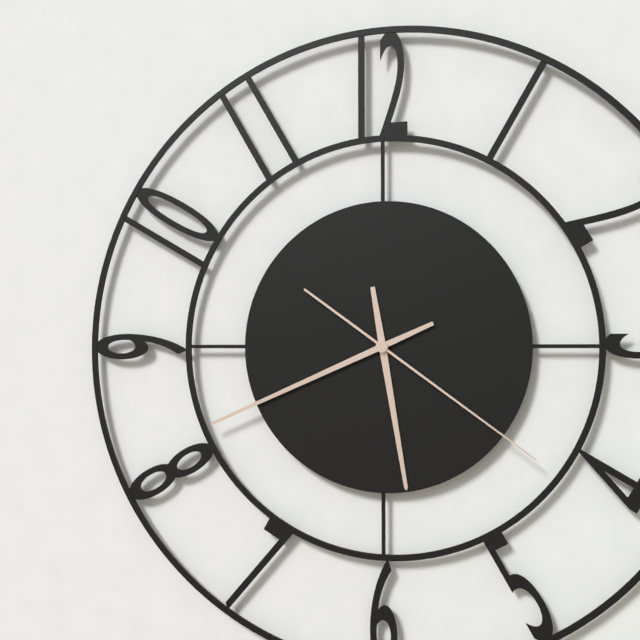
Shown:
5h41m21s
